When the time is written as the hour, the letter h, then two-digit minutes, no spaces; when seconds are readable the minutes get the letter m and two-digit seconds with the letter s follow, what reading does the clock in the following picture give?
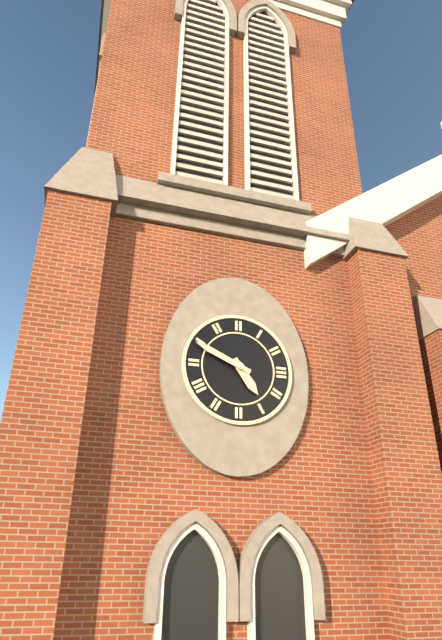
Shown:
4h49
